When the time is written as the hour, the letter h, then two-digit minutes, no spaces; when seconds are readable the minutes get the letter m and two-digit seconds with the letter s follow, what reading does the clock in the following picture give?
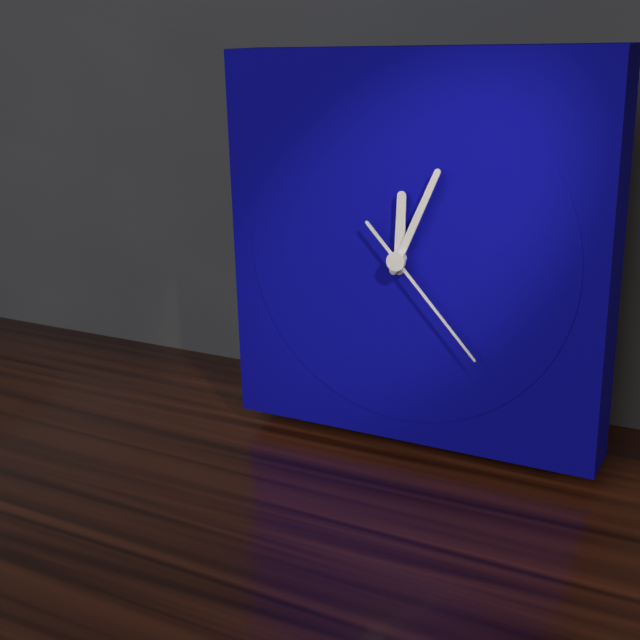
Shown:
12h04m23s
